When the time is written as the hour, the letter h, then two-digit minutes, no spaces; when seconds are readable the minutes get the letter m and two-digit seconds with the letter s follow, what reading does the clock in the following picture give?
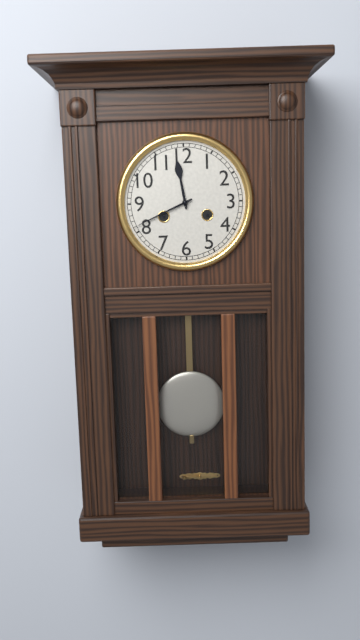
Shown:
11h41
